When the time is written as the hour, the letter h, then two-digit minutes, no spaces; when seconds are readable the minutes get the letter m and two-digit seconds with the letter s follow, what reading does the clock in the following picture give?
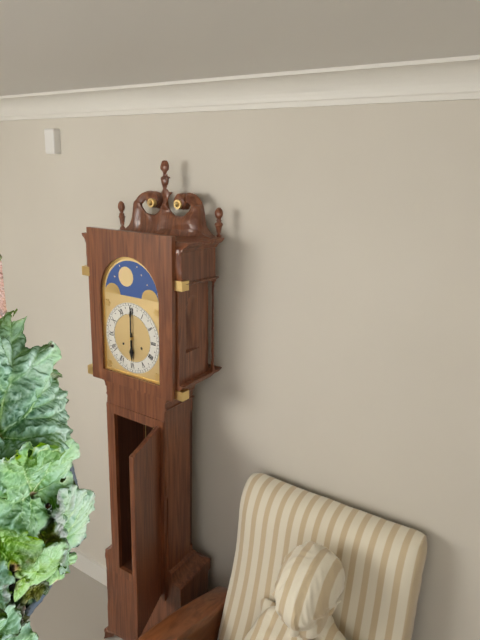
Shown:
6h00
